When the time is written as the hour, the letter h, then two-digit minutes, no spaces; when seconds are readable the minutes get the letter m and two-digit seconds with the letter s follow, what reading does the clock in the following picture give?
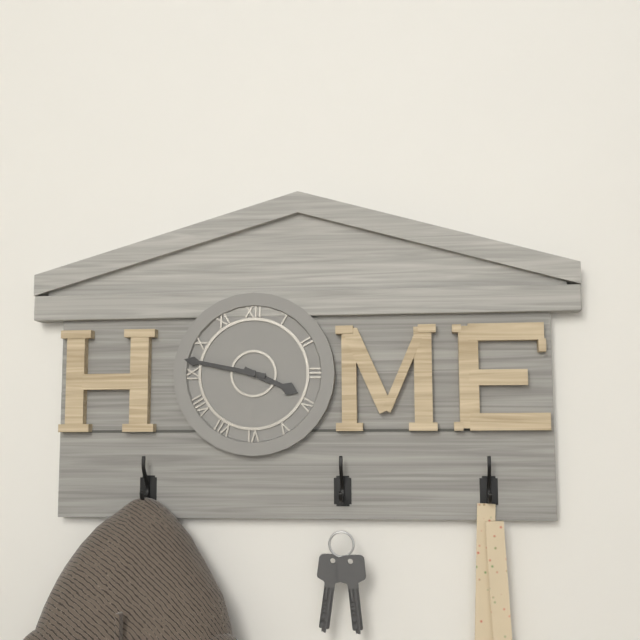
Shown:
3h47
